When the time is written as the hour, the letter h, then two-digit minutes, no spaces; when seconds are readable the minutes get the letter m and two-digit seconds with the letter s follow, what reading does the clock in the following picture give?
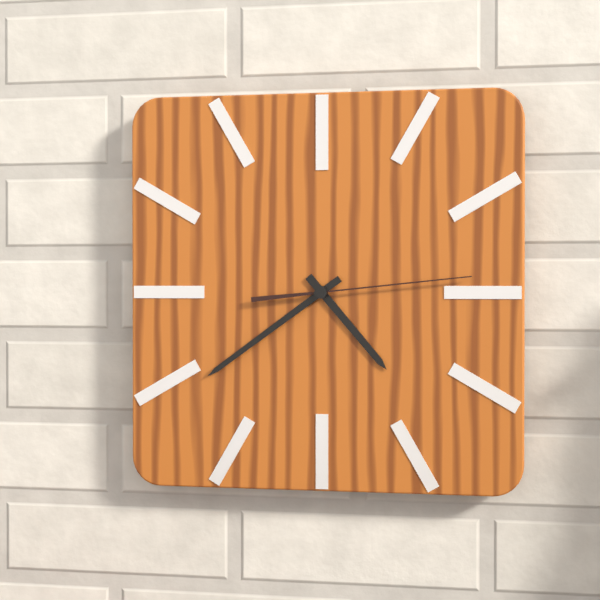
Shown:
4h39m14s
